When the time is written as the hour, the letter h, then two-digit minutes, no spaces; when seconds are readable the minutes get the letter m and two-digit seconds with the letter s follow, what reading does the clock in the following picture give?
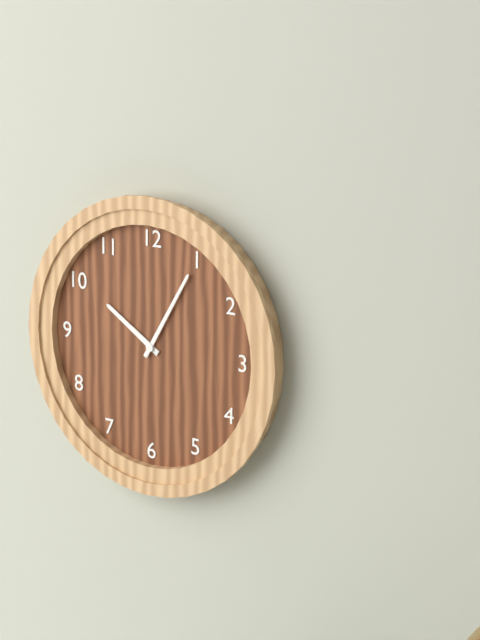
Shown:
10h05
